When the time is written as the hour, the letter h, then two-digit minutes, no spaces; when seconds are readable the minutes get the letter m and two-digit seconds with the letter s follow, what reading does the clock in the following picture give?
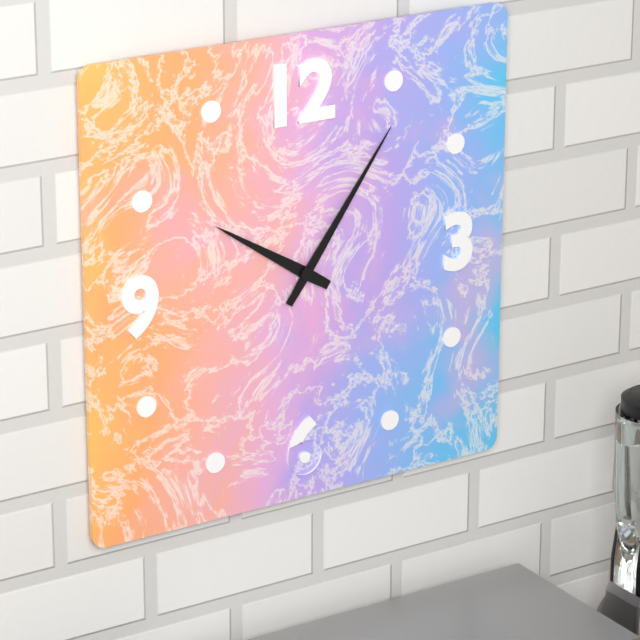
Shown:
10h06
